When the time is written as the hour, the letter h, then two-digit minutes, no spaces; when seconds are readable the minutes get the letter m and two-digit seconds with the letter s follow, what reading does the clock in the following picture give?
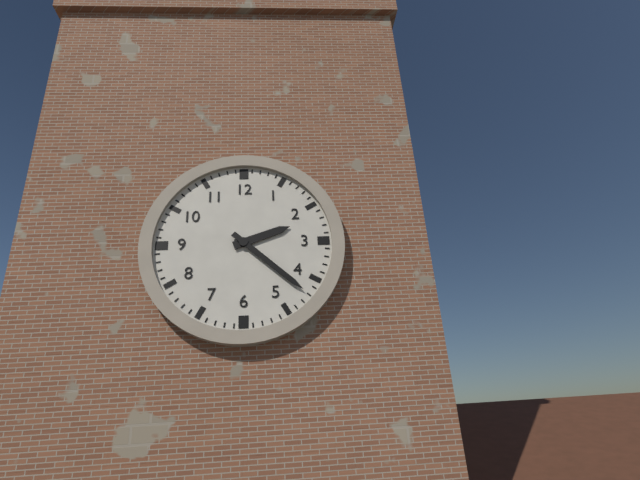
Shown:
2h22
